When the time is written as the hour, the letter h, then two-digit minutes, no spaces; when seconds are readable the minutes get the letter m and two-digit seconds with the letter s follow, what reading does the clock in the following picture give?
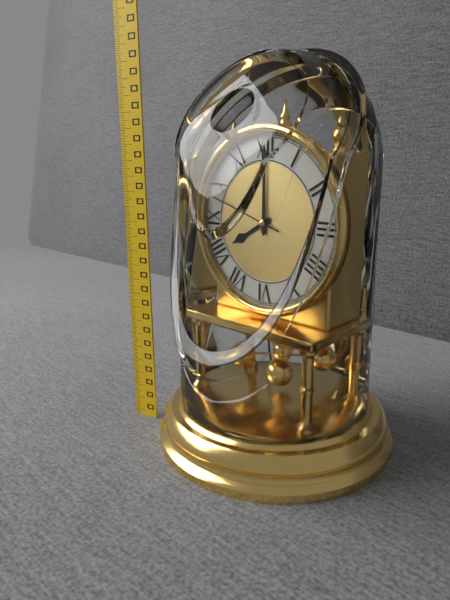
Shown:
8h00m48s
